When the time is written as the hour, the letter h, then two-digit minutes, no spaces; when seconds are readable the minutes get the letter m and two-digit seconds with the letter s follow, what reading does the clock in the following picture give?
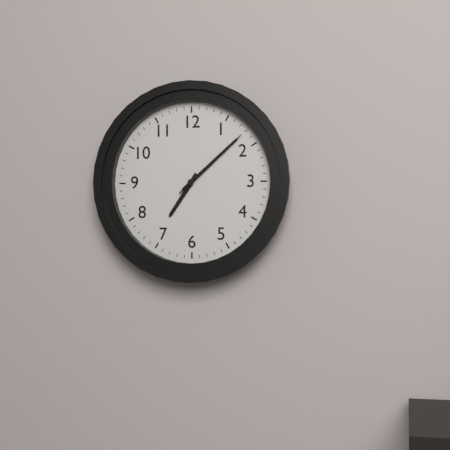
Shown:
7h08m08s
